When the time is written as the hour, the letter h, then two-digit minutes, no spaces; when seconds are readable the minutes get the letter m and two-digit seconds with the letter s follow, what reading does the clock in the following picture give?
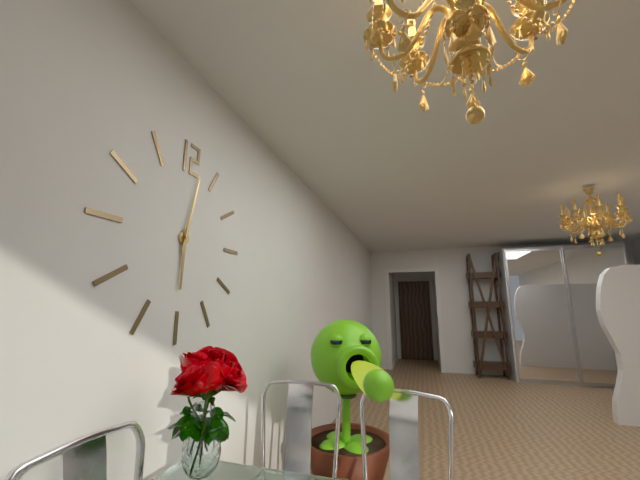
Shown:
6h02
